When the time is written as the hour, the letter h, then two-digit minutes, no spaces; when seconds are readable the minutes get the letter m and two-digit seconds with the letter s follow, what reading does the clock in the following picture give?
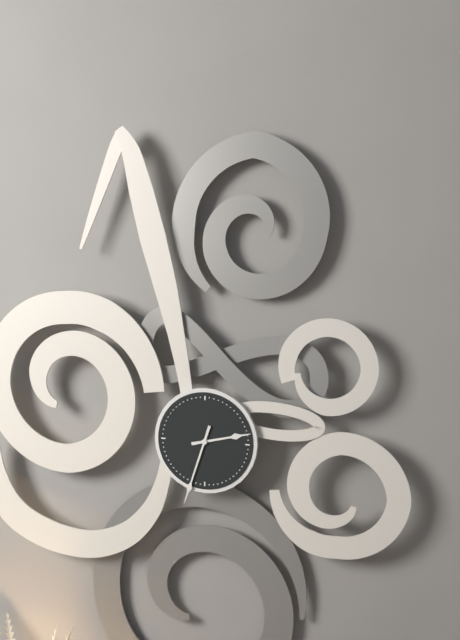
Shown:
2h33
